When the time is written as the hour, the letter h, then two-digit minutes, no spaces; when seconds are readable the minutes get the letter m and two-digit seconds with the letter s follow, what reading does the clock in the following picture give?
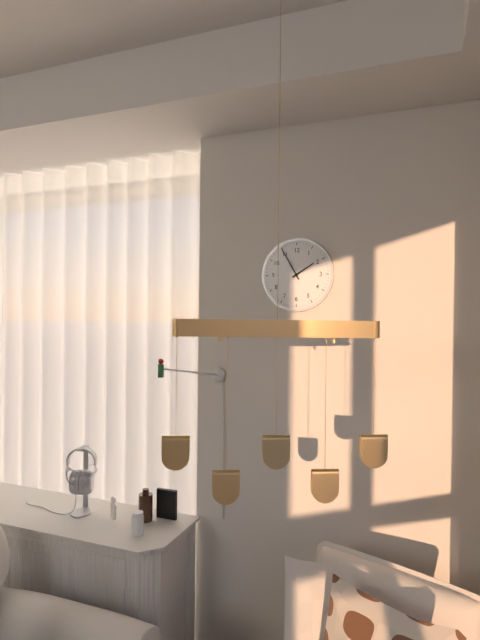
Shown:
1h55
